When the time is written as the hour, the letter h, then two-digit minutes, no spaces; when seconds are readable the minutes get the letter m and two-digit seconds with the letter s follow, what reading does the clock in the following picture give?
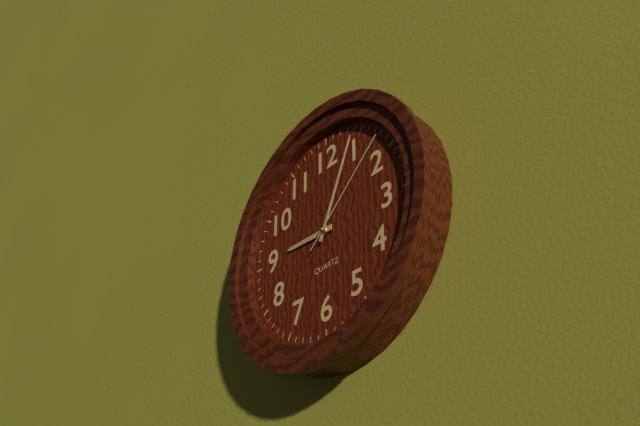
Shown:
9h04m08s
